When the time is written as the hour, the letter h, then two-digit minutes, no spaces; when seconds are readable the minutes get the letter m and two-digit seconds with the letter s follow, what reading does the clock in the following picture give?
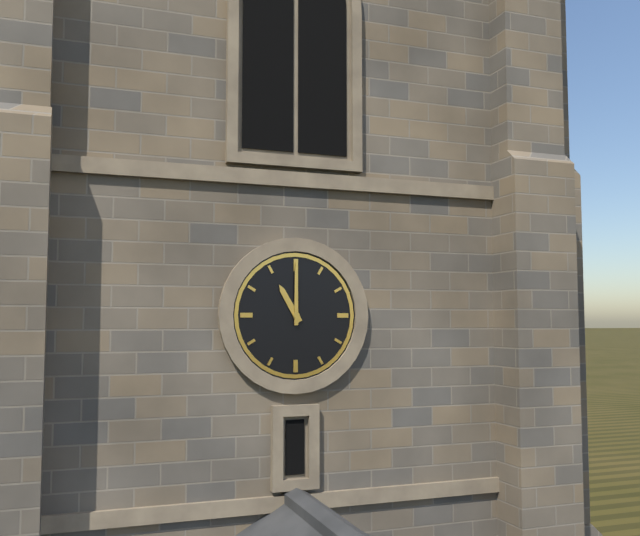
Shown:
11h00
